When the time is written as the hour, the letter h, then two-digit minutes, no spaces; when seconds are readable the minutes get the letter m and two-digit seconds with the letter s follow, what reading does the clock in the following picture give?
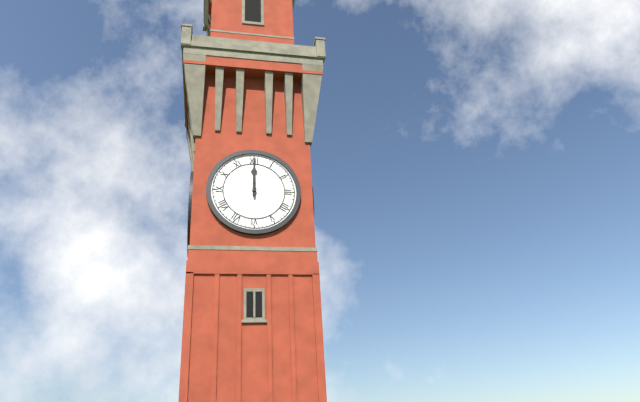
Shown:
12h00
